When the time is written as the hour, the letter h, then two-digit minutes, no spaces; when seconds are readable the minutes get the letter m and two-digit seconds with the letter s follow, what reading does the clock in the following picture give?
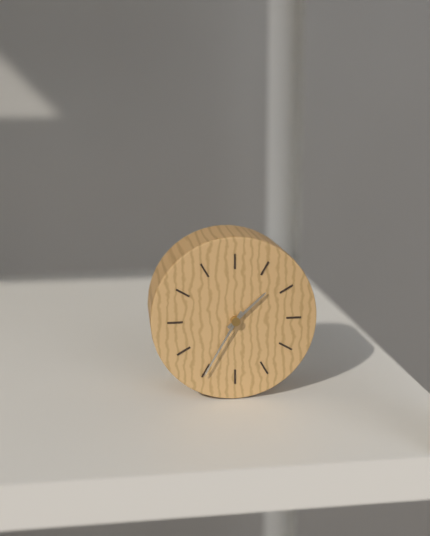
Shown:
1h35
